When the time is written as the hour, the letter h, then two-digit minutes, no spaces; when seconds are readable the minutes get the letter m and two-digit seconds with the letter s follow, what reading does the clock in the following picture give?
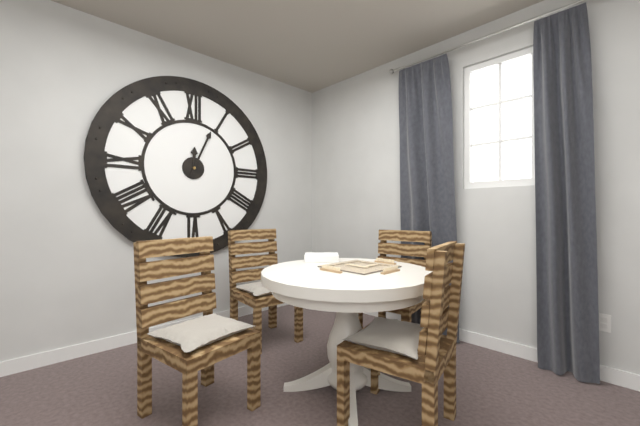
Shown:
12h04
